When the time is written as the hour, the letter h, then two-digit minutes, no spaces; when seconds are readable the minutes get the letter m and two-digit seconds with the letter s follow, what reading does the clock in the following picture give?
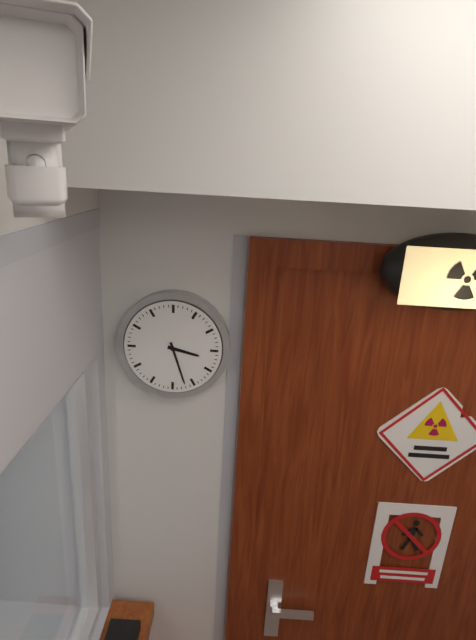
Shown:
3h27
